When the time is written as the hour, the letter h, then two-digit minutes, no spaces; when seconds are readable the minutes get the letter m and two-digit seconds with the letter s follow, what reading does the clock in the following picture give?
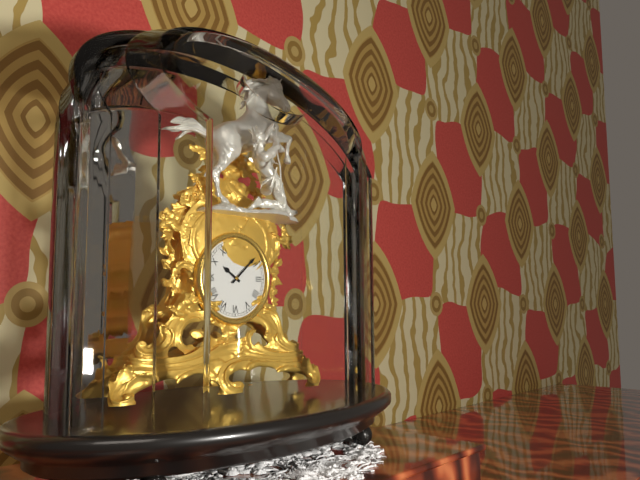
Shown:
10h08
